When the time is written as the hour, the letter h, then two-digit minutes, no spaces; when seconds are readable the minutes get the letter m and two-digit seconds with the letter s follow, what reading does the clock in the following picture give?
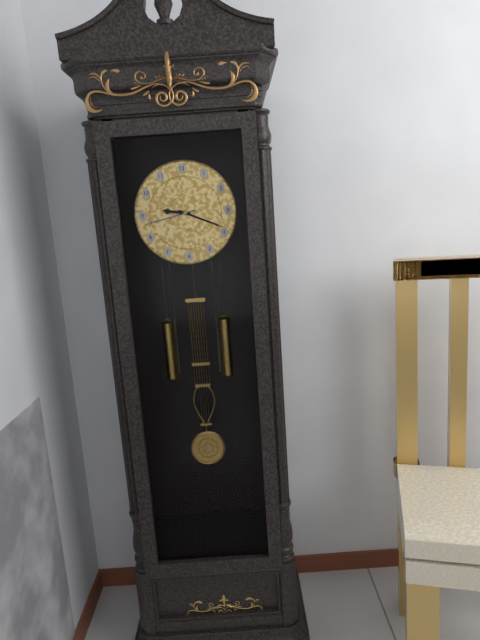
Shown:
9h19m43s
